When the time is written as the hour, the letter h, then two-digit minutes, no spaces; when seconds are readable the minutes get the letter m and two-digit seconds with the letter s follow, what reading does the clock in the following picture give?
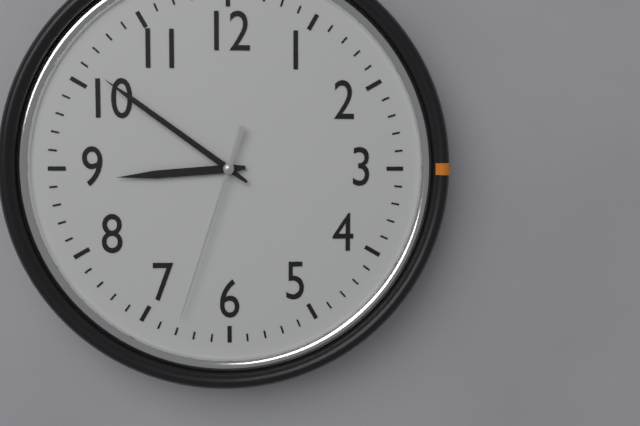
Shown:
8h51m33s
